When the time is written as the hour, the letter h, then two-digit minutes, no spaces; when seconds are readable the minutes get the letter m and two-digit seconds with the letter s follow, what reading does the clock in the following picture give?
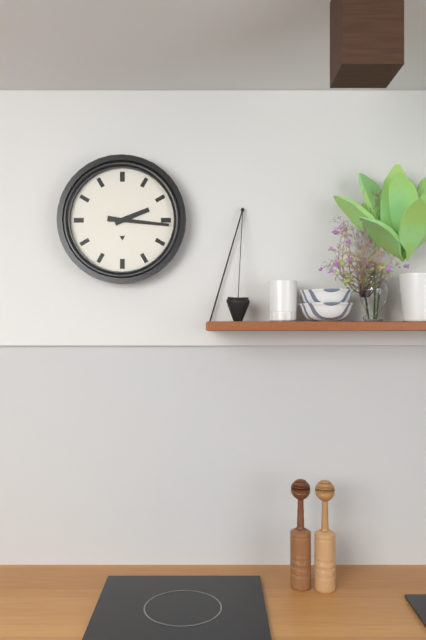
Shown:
2h16
